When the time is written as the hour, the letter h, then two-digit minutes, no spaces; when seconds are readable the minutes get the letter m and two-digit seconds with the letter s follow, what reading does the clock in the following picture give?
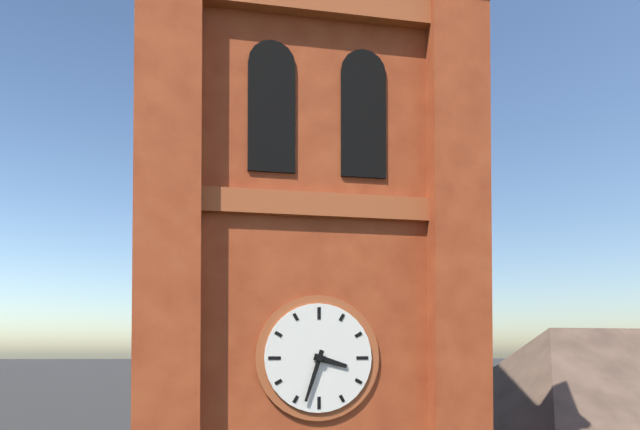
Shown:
3h33
